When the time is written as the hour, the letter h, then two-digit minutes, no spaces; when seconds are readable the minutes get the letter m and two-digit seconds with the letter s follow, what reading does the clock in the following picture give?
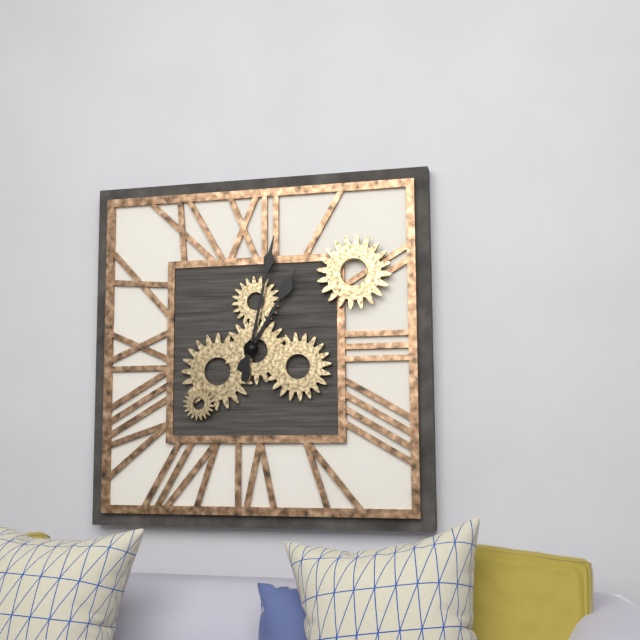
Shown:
1h02
